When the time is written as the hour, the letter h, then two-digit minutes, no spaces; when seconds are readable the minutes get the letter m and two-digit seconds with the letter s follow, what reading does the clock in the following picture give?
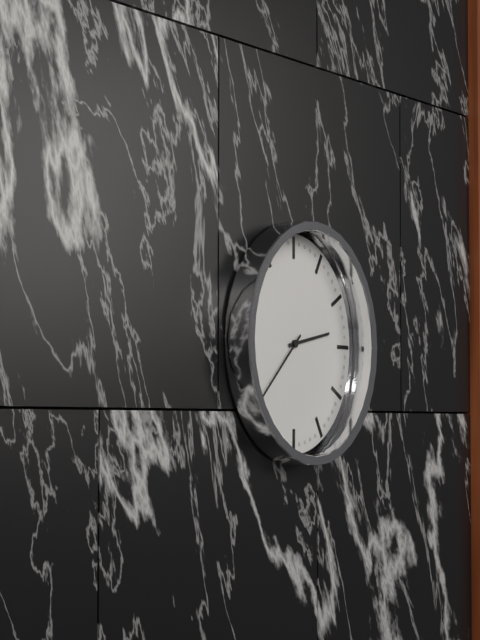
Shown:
2h38
